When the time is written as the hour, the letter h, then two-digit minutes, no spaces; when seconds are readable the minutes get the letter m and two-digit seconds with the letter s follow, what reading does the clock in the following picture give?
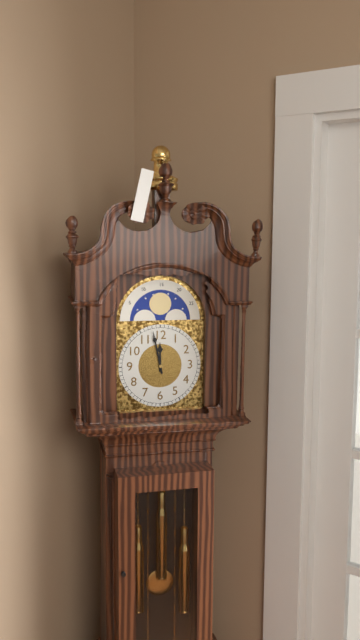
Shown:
11h58
